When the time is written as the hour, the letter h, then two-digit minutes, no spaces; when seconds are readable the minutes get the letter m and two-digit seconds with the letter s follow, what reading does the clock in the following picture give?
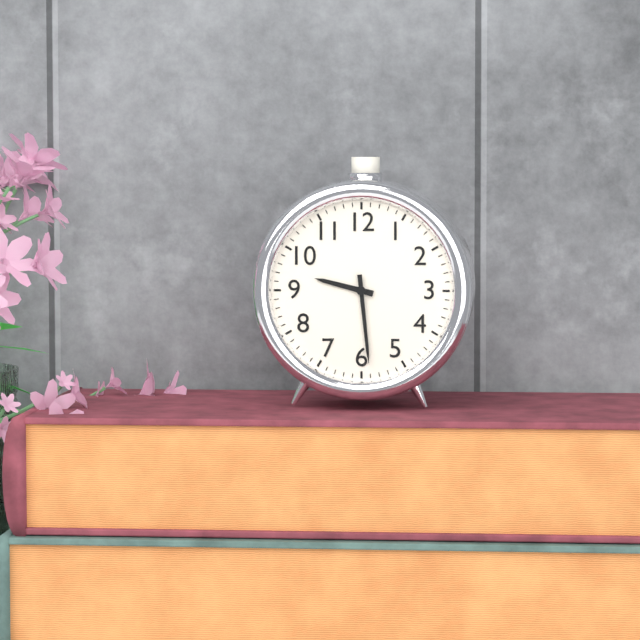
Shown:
9h29
